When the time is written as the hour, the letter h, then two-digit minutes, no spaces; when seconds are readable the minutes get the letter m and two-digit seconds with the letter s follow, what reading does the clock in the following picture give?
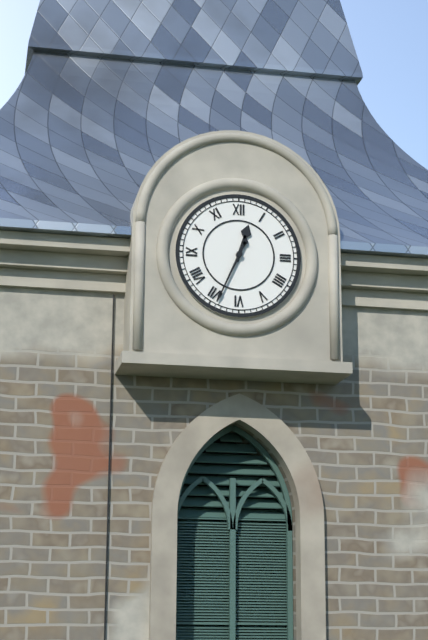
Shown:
12h34
